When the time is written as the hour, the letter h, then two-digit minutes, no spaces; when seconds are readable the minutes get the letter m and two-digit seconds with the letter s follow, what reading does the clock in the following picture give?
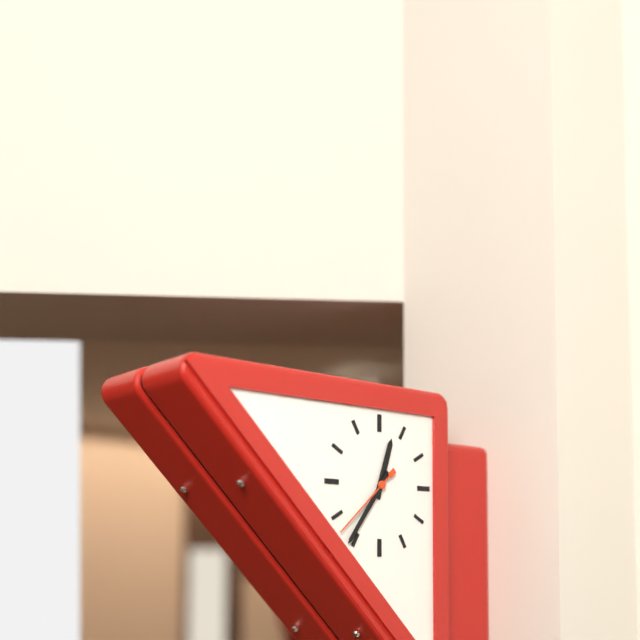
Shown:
12h36m38s
